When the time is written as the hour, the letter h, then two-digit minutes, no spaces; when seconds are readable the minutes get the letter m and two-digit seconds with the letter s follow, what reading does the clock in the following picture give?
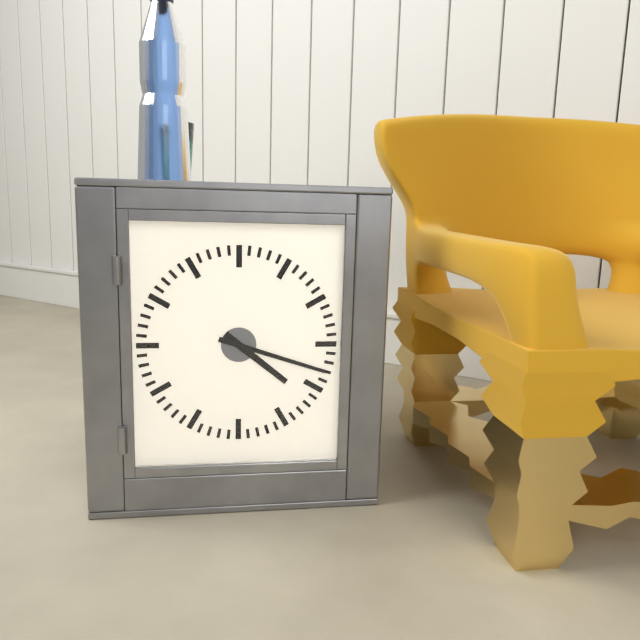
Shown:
4h18
